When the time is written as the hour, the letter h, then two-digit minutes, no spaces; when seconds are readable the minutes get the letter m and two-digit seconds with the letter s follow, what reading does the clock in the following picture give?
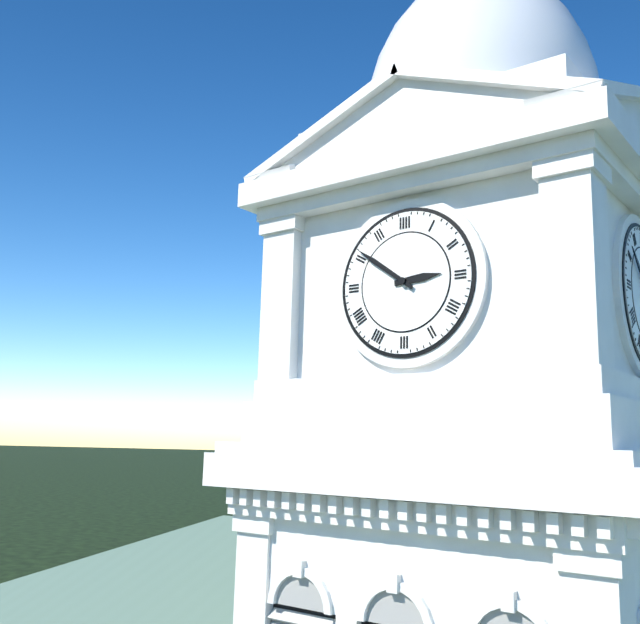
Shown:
2h51
